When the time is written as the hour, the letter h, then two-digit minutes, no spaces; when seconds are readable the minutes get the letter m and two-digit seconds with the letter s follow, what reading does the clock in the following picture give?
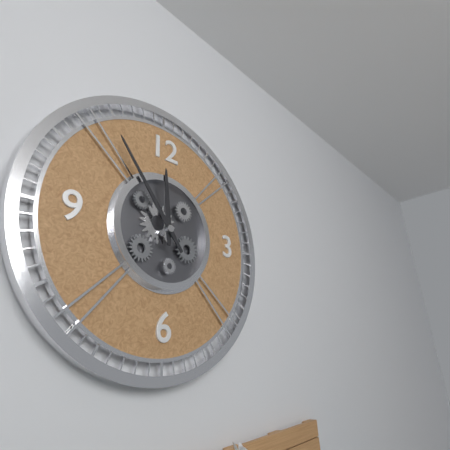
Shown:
11h54
